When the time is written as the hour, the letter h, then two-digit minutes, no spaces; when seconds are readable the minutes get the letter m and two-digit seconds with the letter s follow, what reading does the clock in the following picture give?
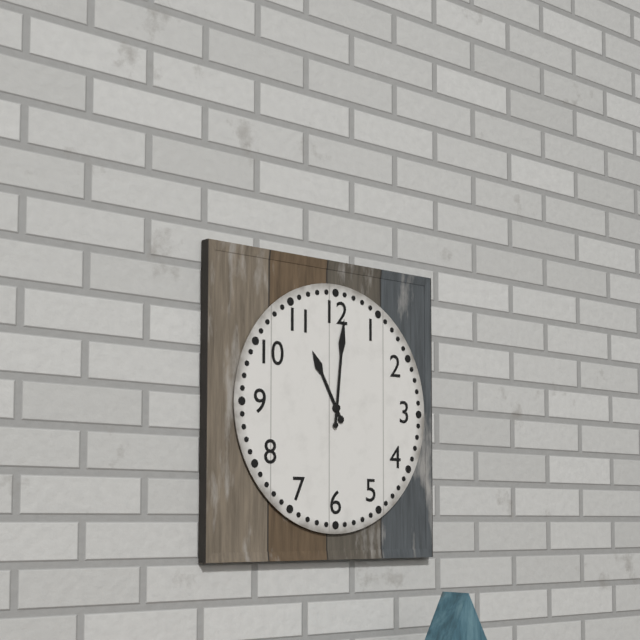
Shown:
11h01
